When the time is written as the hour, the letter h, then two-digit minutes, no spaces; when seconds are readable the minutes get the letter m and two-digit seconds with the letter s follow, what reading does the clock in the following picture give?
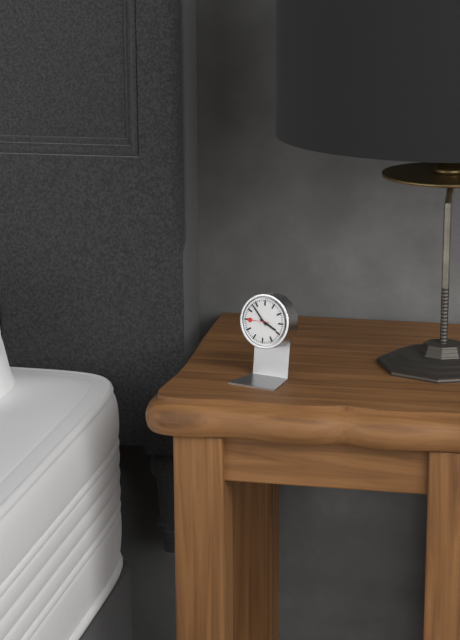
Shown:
3h53
